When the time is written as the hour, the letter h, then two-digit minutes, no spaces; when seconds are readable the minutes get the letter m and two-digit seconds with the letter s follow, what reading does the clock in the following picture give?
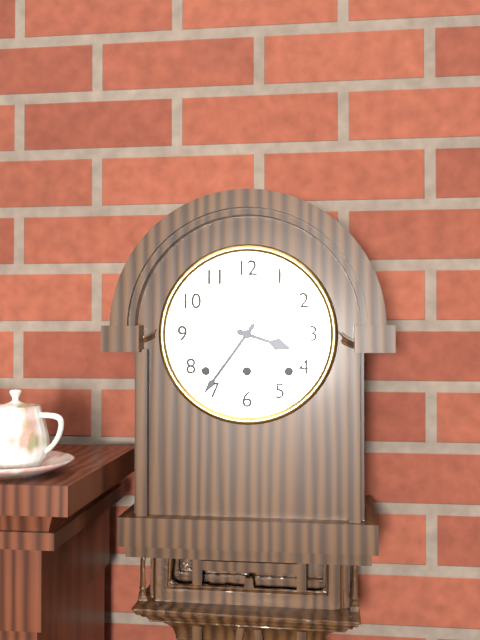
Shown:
3h36
